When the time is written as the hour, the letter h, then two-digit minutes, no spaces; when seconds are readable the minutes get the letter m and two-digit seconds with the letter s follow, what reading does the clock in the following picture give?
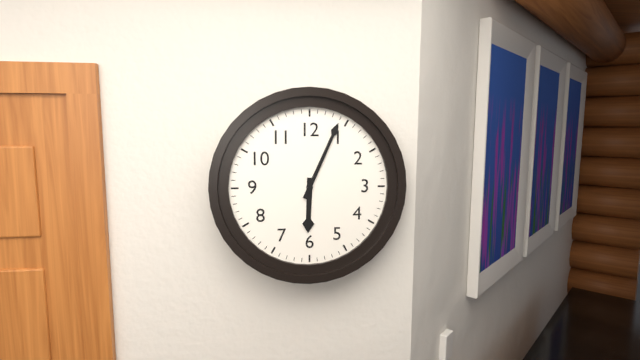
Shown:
6h04
